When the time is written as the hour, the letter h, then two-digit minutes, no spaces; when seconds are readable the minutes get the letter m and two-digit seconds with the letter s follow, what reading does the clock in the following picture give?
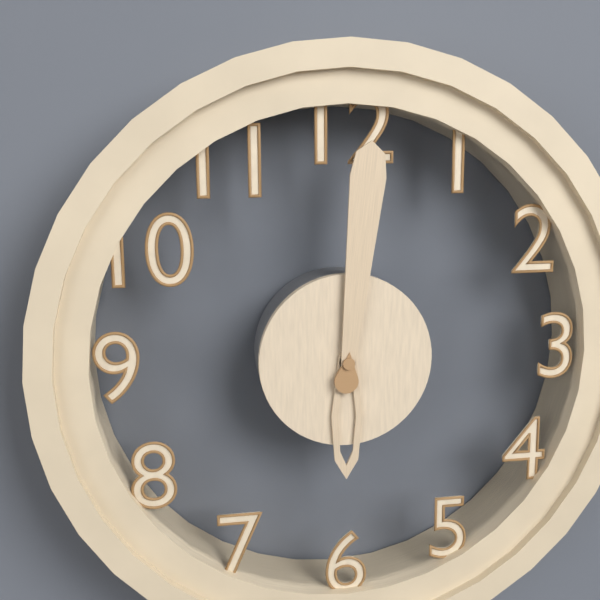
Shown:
6h01
